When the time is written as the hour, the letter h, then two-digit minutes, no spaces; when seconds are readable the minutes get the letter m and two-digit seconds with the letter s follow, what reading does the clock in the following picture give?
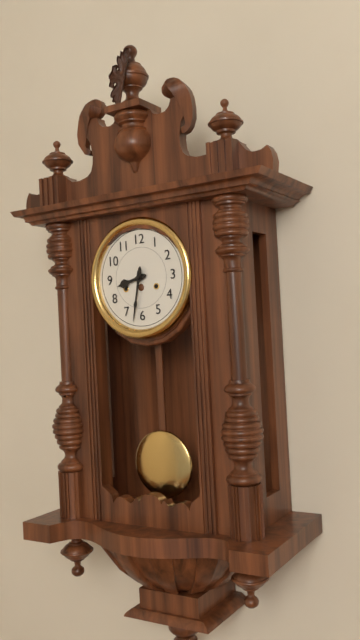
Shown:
8h32
